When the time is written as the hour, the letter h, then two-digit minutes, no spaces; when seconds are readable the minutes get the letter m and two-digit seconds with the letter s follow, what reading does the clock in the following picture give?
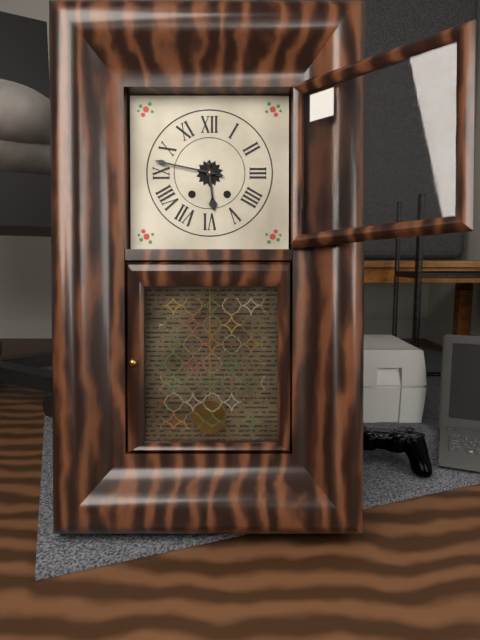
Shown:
5h47
